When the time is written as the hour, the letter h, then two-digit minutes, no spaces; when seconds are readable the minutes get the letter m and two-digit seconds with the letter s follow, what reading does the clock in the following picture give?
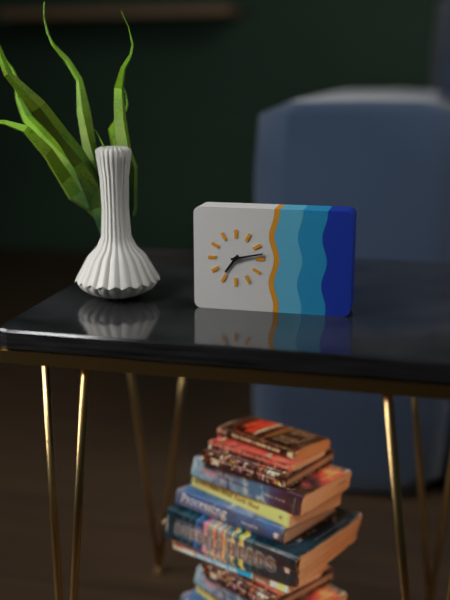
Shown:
7h13
